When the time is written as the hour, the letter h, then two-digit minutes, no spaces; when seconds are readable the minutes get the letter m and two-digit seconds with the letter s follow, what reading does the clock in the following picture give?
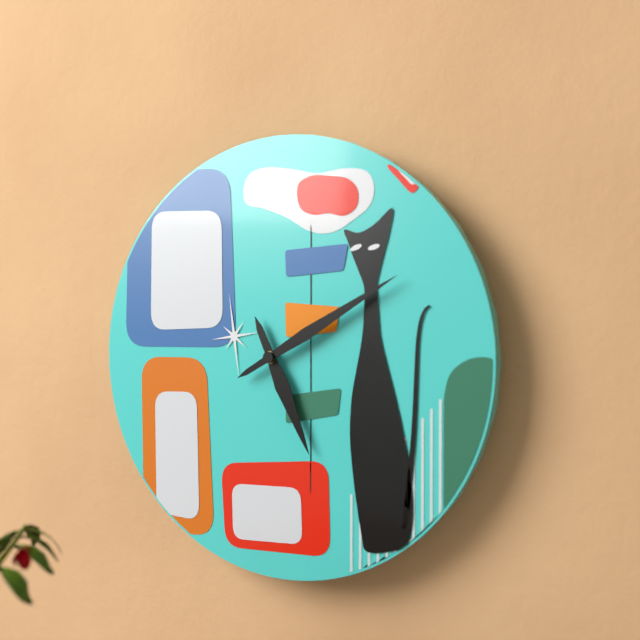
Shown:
5h10
